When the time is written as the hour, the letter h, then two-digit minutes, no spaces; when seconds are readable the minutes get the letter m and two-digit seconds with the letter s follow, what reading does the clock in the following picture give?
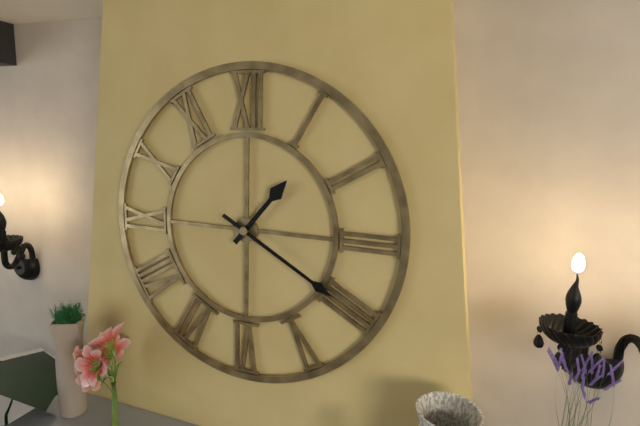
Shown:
1h20
